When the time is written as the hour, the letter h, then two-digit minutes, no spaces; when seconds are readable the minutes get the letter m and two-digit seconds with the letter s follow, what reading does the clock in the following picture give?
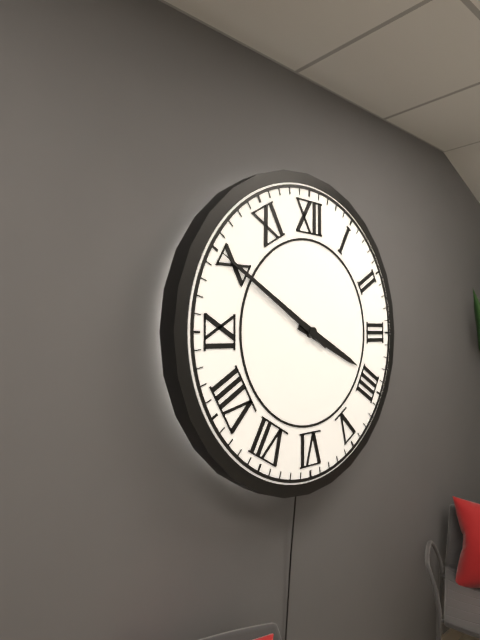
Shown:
3h50
